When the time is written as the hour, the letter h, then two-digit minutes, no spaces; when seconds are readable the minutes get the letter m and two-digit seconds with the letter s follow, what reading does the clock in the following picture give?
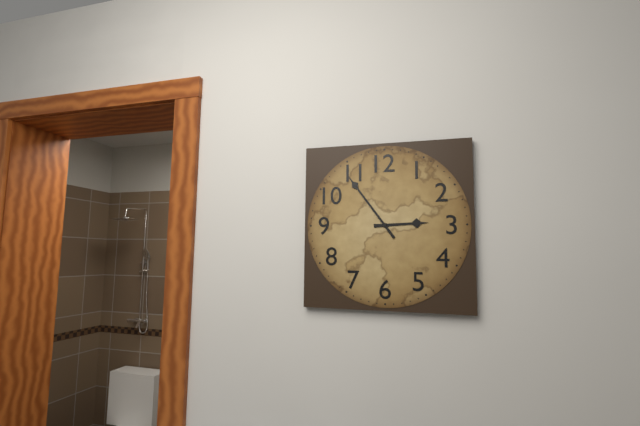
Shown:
2h54
